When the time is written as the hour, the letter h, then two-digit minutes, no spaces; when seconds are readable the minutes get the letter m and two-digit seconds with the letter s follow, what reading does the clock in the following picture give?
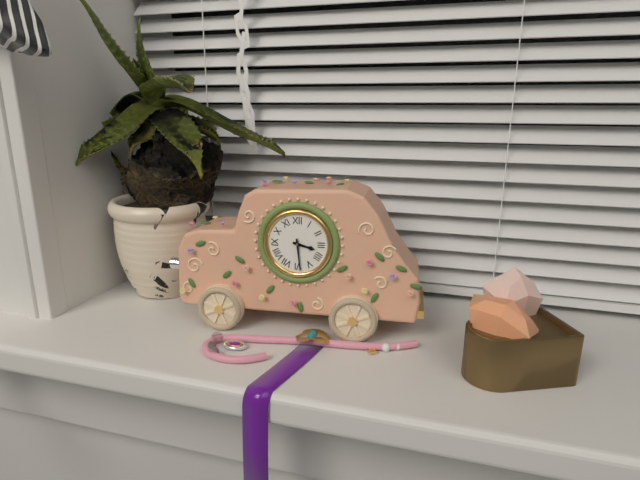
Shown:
3h29
